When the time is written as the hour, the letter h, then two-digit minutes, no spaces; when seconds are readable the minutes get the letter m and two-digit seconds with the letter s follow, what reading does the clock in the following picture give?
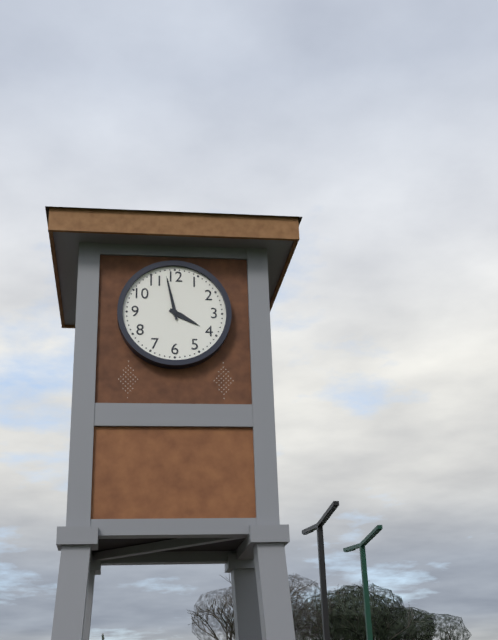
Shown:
3h58
